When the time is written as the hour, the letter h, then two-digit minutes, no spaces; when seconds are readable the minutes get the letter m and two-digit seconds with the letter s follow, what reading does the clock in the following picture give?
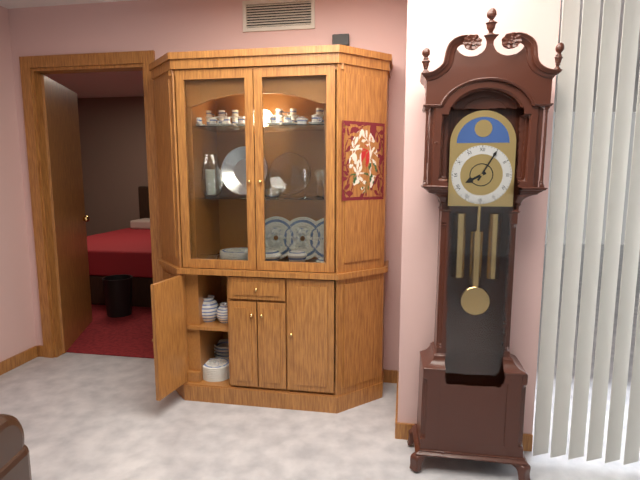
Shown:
8h05
